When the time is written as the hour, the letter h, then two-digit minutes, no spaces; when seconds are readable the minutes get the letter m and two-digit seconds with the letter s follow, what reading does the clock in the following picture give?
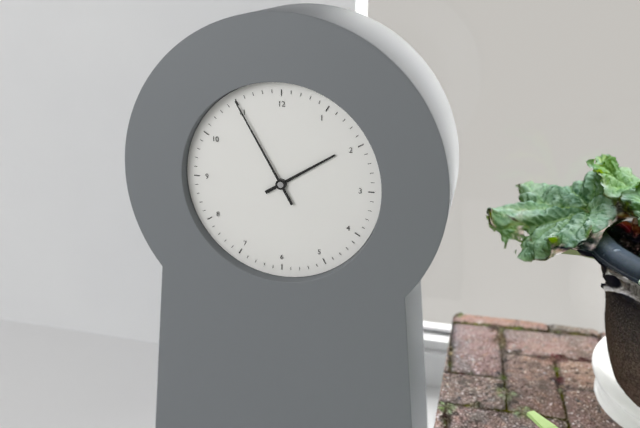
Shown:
1h55
